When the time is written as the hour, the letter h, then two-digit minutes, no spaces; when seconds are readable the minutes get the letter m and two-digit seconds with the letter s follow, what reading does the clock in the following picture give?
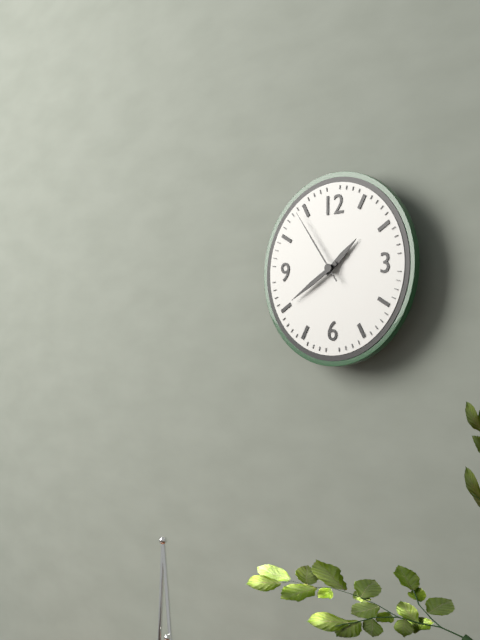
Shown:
1h40m54s
